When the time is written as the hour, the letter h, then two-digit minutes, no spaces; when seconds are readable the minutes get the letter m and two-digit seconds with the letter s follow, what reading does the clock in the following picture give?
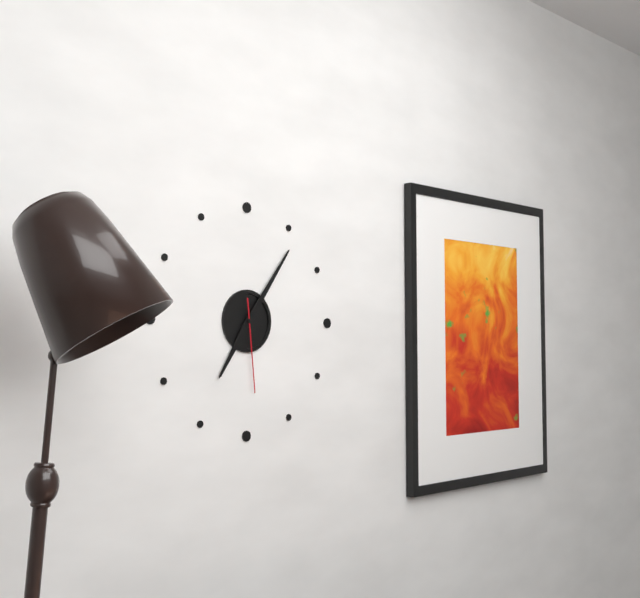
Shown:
7h06m29s
